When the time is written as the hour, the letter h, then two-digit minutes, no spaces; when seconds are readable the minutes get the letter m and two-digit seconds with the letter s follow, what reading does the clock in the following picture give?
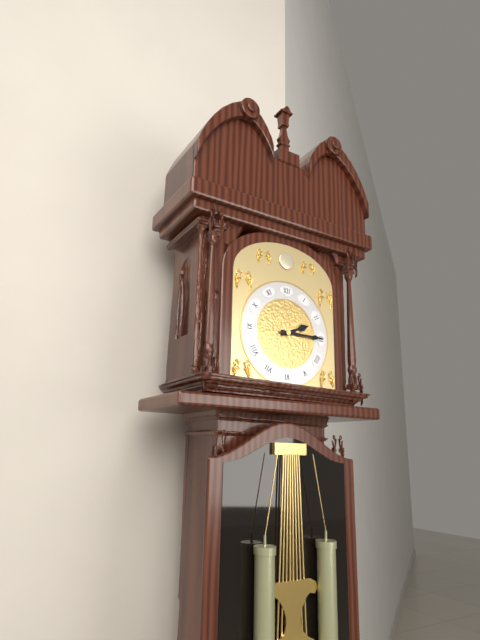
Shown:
2h15
